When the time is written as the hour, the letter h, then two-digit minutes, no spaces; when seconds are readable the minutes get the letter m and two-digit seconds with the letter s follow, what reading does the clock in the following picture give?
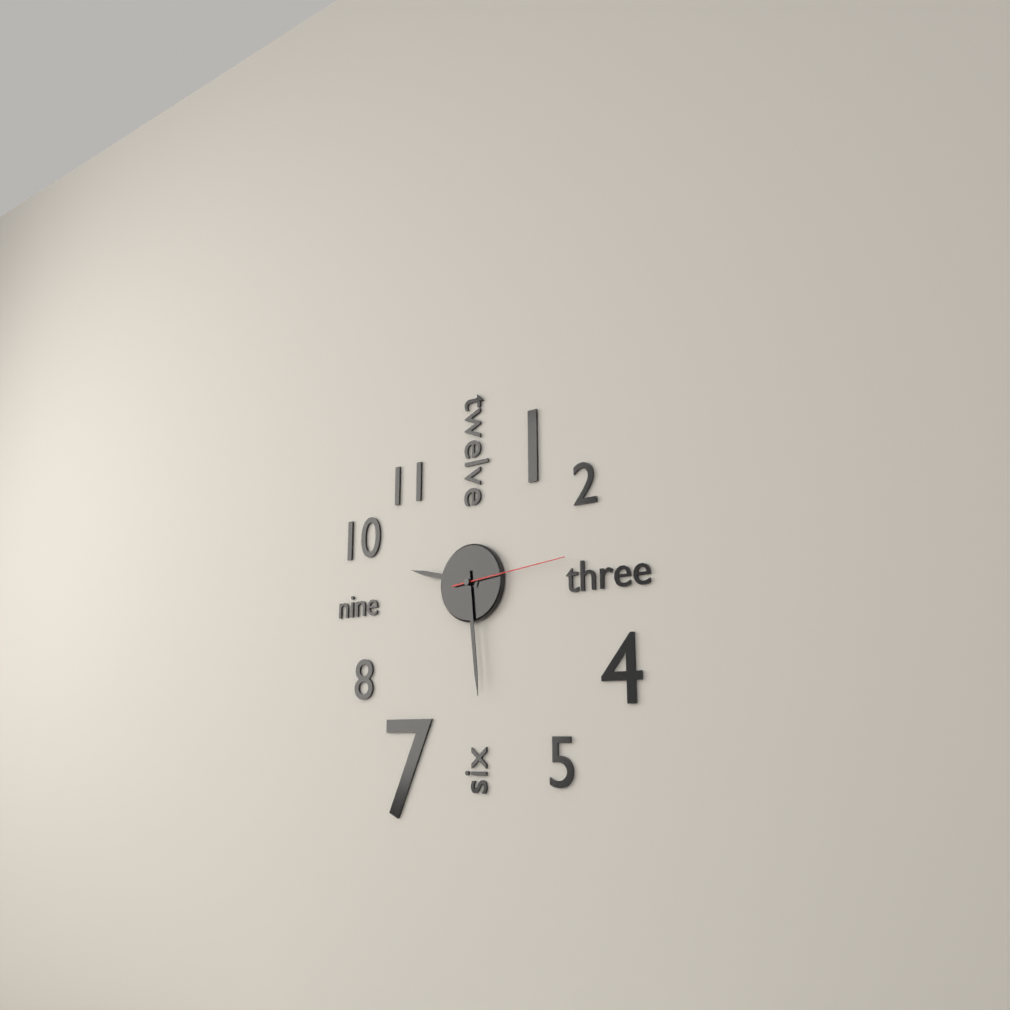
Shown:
9h29m14s
